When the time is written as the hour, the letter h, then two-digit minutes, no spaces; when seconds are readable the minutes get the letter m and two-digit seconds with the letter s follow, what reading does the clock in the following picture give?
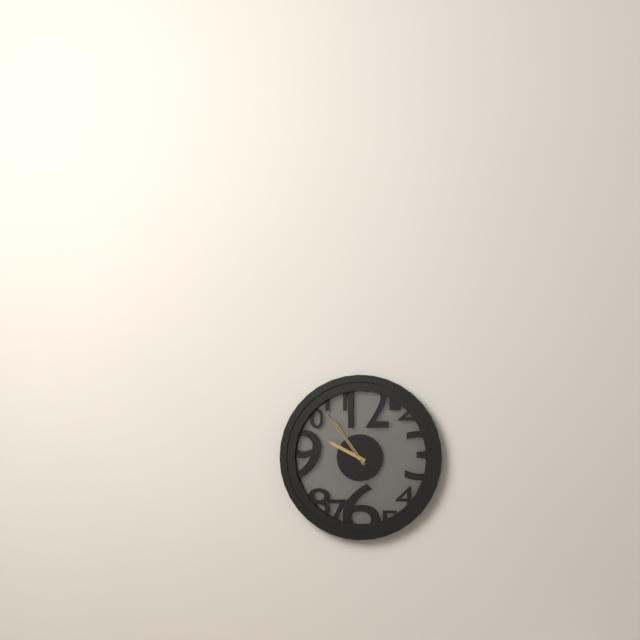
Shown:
9h54m54s
